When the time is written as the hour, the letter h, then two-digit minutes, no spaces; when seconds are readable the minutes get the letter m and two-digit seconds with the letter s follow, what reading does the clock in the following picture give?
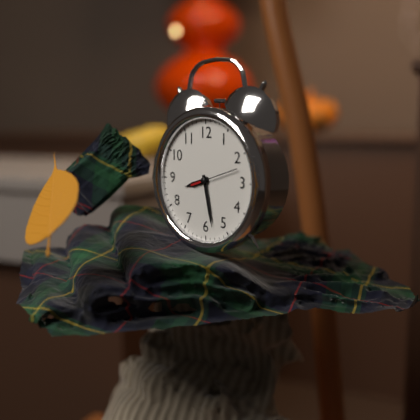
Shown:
8h28
